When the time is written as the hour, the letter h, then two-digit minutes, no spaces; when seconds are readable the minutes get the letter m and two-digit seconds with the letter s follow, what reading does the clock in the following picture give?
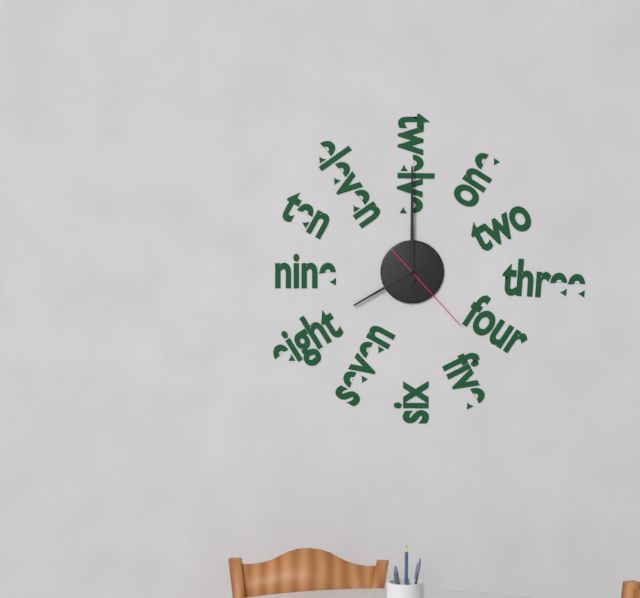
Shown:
8h00m23s
